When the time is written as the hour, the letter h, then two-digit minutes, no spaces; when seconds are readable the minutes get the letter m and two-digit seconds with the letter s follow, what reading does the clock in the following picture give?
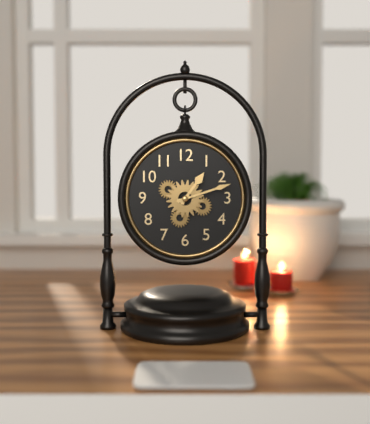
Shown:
1h12
